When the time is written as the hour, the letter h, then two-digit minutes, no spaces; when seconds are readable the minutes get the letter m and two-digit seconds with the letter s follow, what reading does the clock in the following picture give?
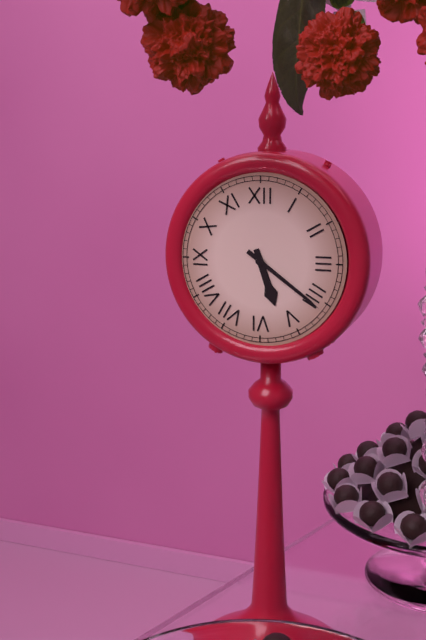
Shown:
5h21
